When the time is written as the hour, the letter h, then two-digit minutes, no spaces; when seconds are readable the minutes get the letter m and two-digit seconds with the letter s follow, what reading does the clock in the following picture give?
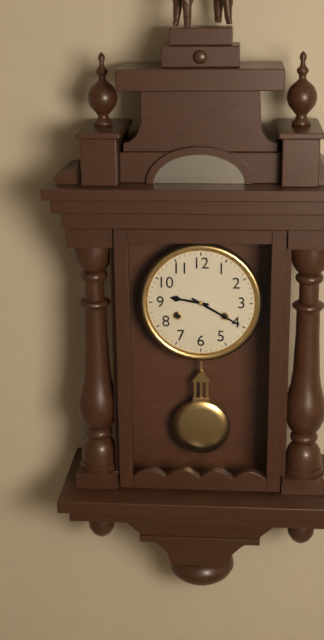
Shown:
9h20
